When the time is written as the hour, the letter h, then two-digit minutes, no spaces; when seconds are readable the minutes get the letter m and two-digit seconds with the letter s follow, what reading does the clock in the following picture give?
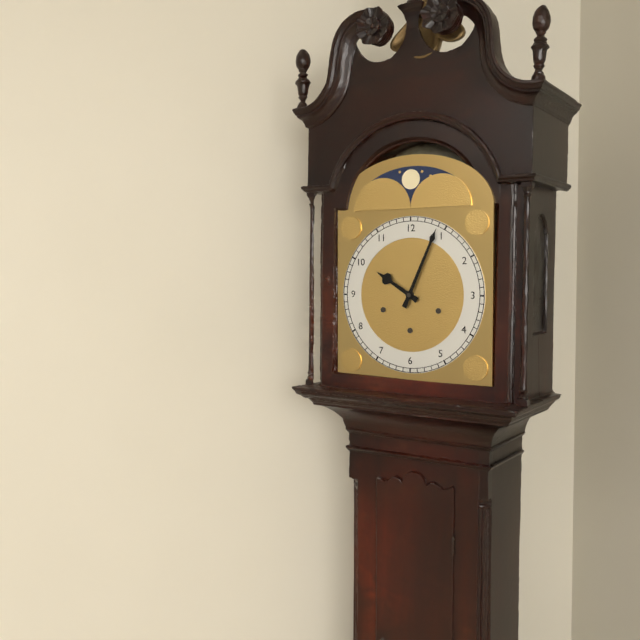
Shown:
10h04
